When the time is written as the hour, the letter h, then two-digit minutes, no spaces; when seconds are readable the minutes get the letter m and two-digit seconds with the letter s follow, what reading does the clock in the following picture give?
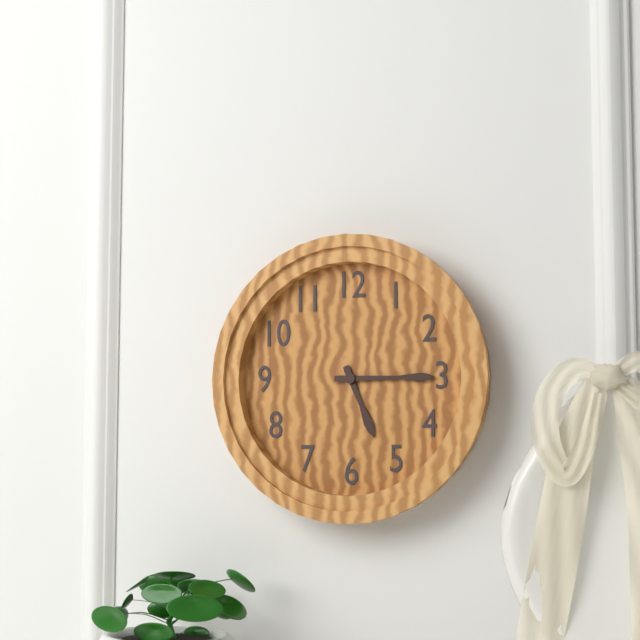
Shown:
5h15
